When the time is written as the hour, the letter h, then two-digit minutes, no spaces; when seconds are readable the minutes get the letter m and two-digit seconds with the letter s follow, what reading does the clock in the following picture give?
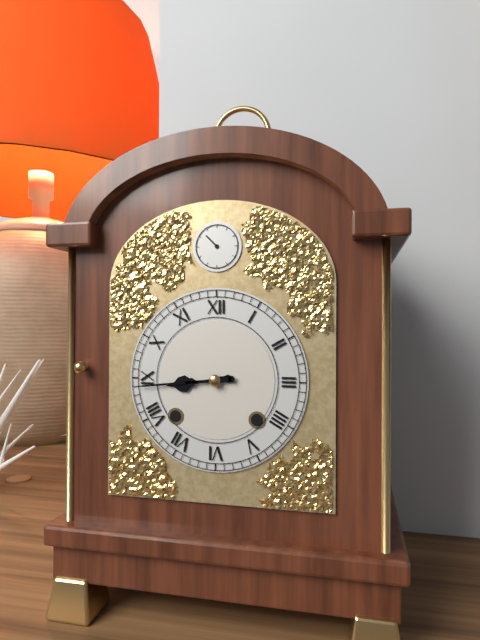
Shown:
8h44
